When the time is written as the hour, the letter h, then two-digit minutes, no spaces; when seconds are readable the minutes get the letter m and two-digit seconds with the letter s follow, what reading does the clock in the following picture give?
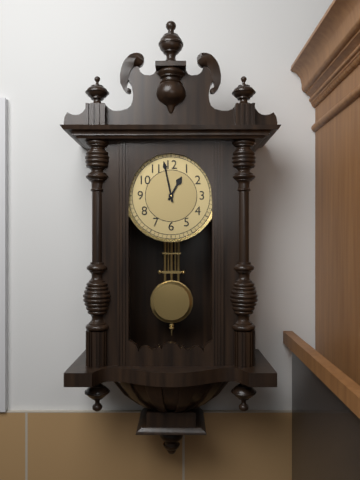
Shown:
12h58
